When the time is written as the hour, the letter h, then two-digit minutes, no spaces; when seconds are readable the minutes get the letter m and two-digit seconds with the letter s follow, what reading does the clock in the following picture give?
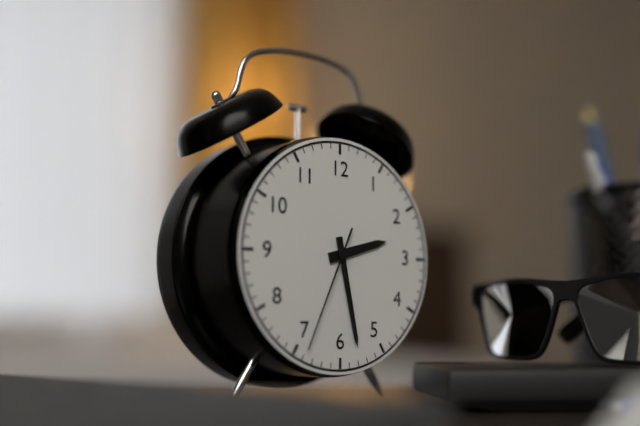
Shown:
2h28m34s
